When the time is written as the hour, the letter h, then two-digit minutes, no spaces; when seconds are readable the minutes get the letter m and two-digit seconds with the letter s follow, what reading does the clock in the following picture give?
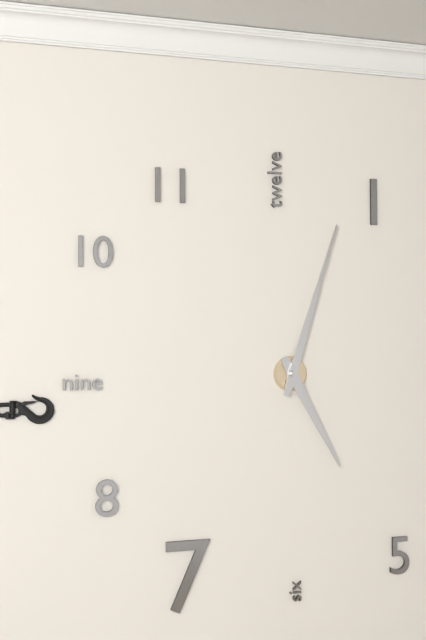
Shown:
5h03
